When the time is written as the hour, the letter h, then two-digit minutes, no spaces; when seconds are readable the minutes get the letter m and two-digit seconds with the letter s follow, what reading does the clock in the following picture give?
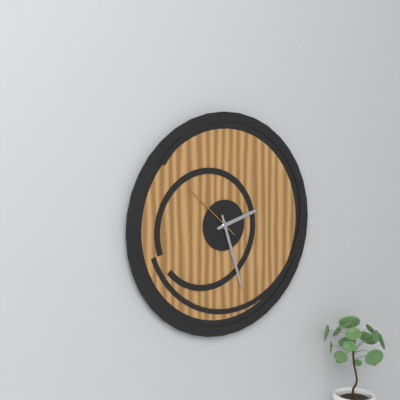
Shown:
2h27m52s
